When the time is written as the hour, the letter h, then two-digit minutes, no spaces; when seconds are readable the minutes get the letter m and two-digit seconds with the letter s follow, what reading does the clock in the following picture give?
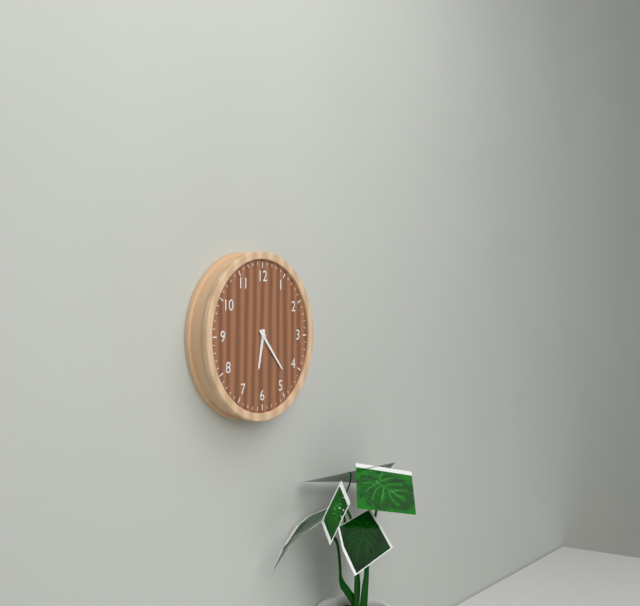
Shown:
6h23
